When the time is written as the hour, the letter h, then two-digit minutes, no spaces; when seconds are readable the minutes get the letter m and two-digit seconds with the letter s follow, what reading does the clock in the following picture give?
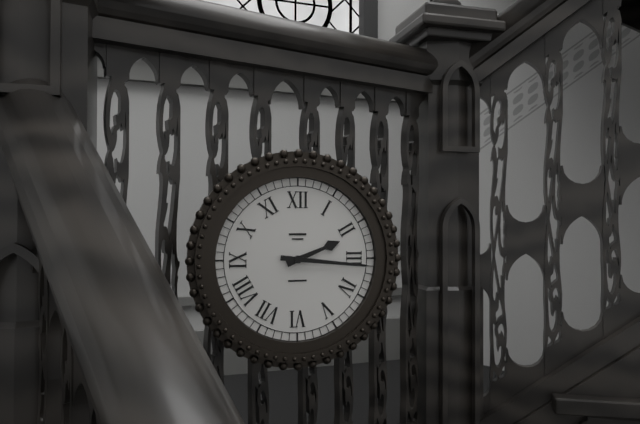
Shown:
2h16
